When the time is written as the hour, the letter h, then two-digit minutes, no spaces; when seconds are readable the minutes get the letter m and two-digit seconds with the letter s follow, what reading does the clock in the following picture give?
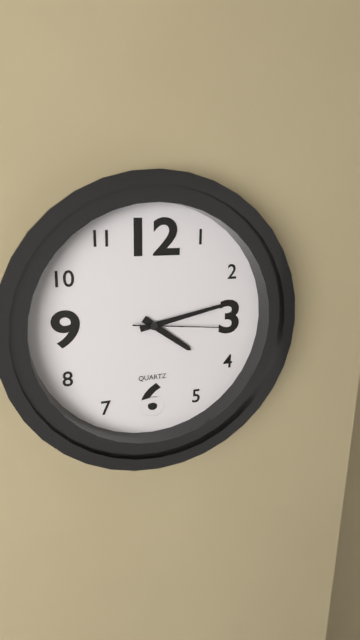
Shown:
4h13m16s
